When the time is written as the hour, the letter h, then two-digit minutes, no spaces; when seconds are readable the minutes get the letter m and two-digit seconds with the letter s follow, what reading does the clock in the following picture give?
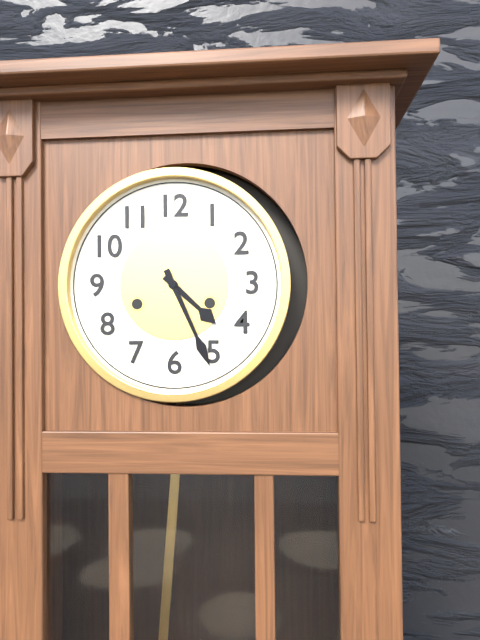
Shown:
4h26
